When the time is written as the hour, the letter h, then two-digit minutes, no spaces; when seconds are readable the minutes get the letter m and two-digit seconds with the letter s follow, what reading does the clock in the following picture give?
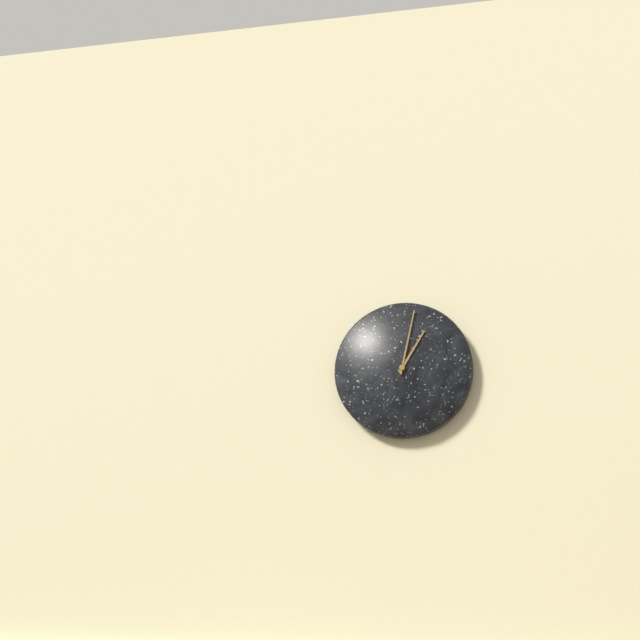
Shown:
1h02
